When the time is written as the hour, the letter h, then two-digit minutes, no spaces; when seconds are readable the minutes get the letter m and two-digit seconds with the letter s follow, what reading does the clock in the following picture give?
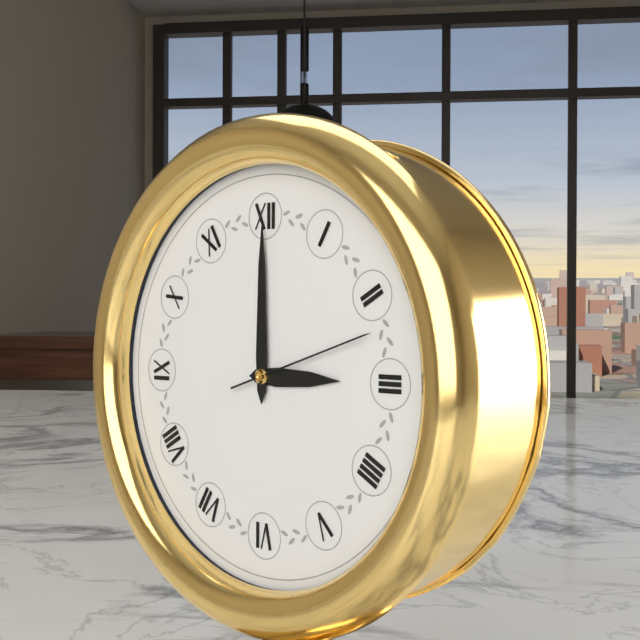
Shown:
3h00m12s
